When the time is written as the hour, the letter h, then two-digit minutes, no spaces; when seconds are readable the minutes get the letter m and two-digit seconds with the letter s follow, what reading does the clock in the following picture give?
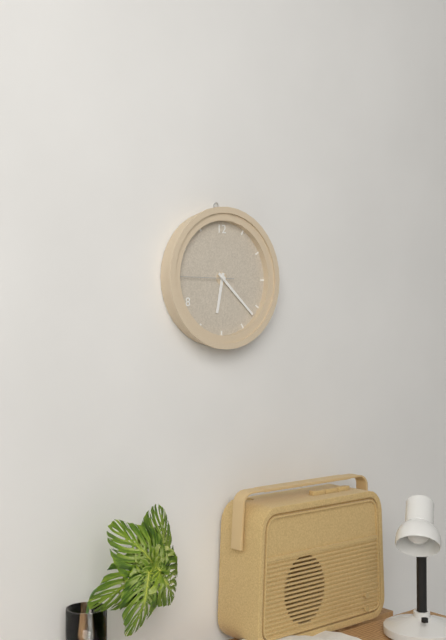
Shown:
6h22m45s
